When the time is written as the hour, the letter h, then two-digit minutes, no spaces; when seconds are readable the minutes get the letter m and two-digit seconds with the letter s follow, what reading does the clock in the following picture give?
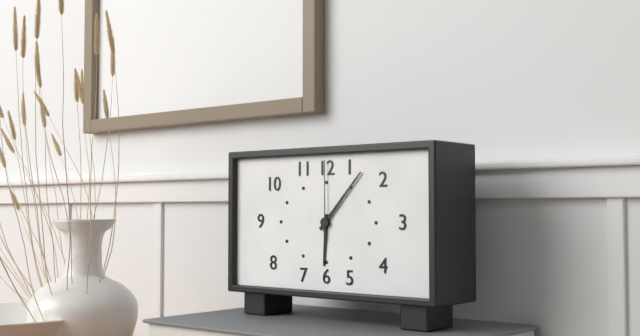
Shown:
6h07m00s
